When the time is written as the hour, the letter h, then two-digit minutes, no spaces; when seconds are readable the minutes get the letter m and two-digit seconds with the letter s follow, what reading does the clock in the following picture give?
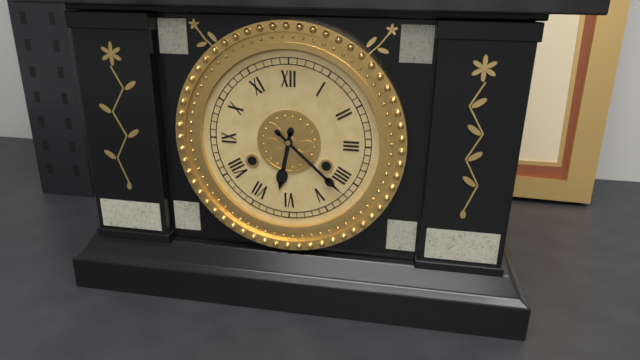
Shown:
6h22
